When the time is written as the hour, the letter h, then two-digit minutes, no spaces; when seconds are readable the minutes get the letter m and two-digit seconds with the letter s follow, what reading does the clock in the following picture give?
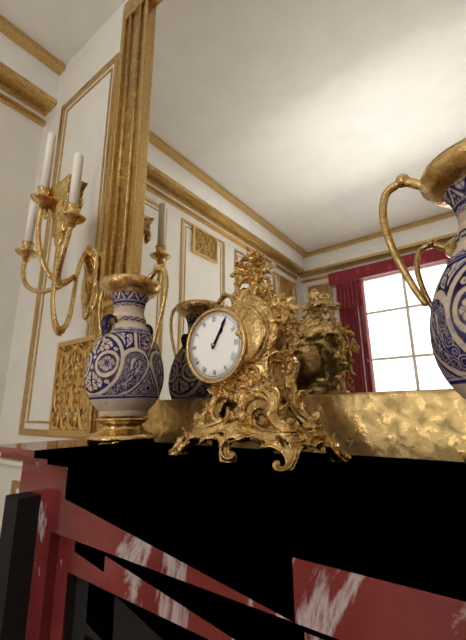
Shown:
1h05
